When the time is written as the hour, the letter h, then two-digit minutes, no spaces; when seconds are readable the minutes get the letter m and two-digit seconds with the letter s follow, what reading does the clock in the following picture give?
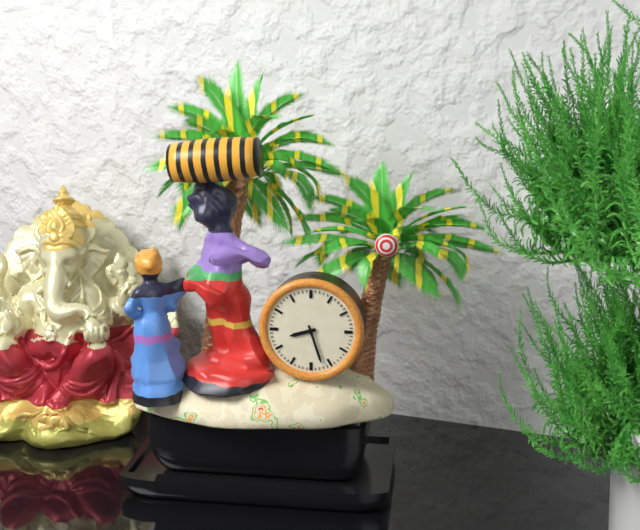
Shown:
8h27
